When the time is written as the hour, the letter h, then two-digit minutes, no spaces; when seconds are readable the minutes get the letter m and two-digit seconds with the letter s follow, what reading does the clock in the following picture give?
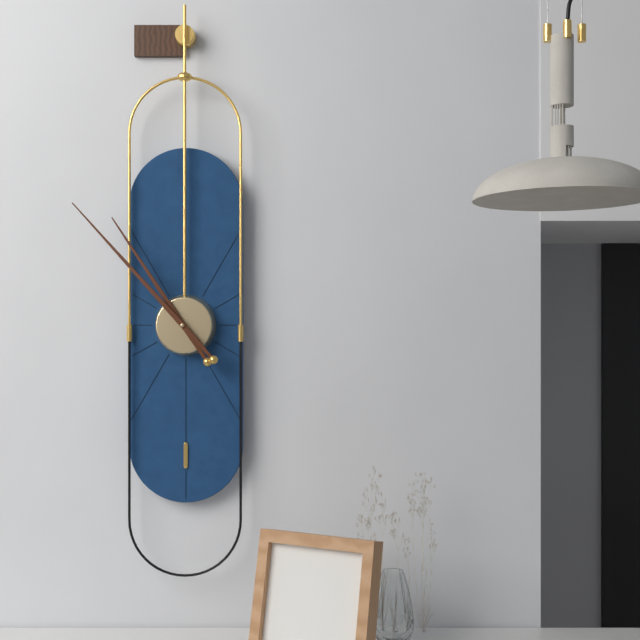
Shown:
10h53
